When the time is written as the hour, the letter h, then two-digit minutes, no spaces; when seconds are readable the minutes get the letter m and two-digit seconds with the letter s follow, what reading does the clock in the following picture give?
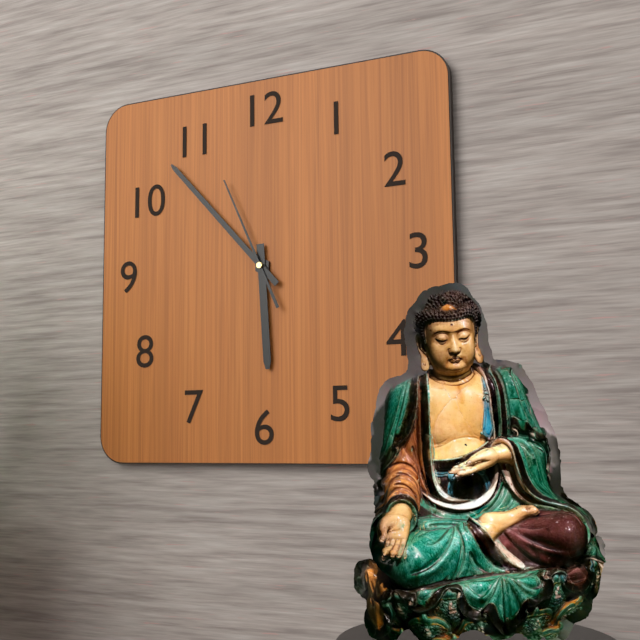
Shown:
5h53m56s
